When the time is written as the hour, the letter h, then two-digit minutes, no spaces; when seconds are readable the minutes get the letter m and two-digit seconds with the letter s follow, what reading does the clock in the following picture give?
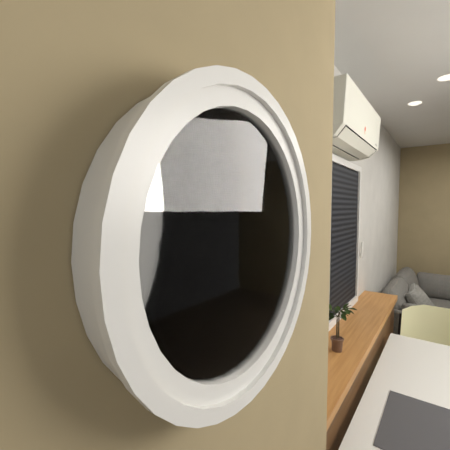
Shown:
6h34
